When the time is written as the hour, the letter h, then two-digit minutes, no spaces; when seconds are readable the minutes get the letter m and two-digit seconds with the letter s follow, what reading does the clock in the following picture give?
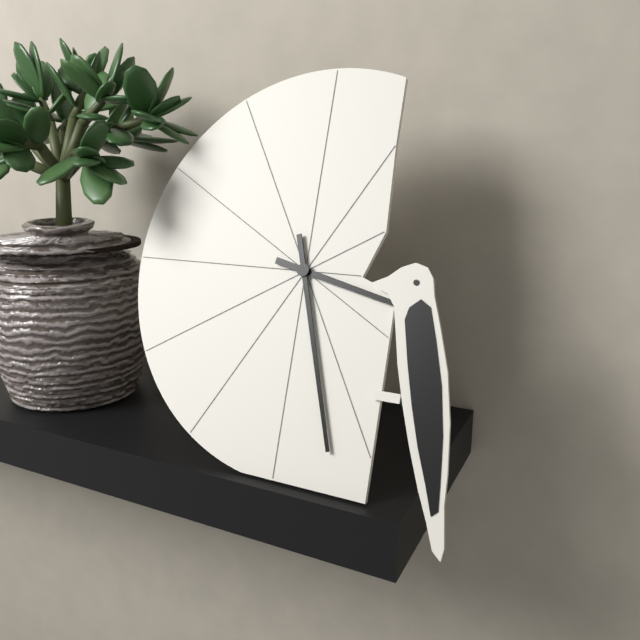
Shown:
3h27
